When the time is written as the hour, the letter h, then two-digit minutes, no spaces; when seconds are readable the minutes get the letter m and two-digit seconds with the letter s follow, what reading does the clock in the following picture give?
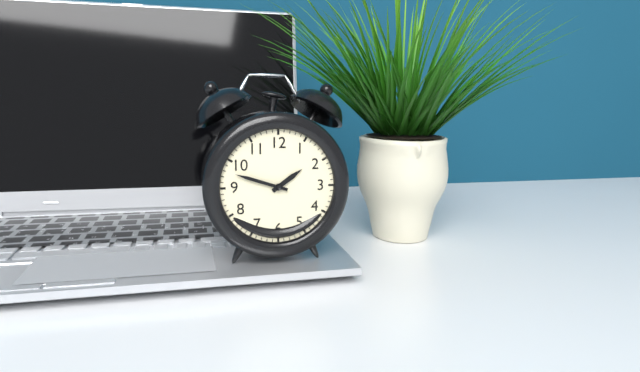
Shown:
1h48
